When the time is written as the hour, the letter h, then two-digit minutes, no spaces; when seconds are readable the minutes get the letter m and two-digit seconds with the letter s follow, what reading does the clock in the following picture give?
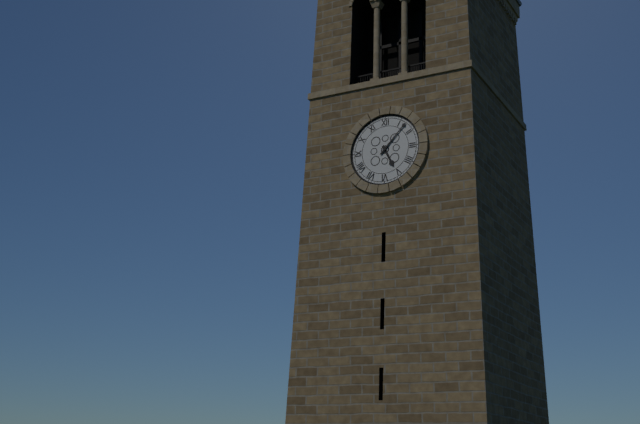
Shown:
5h07
